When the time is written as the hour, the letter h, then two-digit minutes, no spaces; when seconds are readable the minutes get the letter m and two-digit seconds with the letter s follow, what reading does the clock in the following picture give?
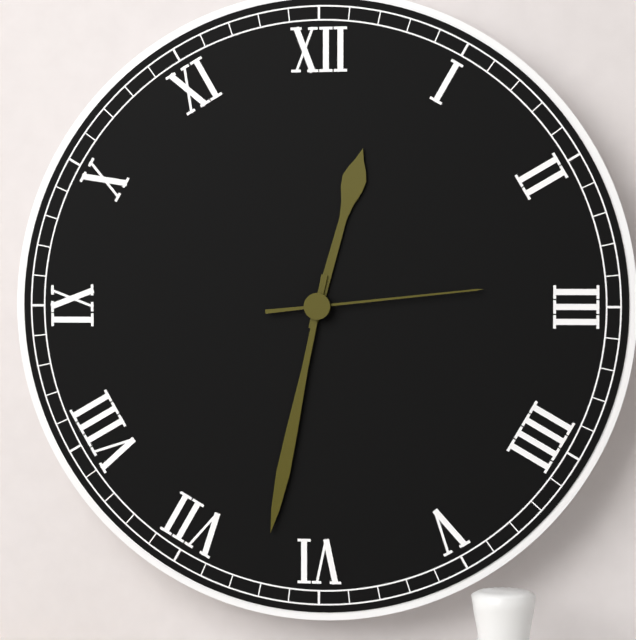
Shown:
12h32m14s
